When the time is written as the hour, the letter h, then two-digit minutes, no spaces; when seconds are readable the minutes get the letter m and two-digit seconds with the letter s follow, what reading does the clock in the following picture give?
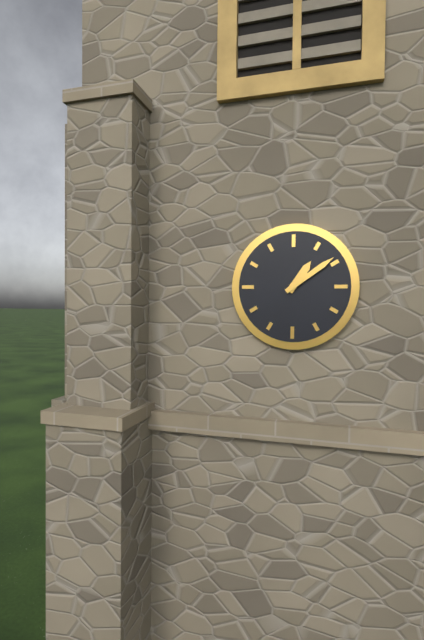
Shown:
1h09
